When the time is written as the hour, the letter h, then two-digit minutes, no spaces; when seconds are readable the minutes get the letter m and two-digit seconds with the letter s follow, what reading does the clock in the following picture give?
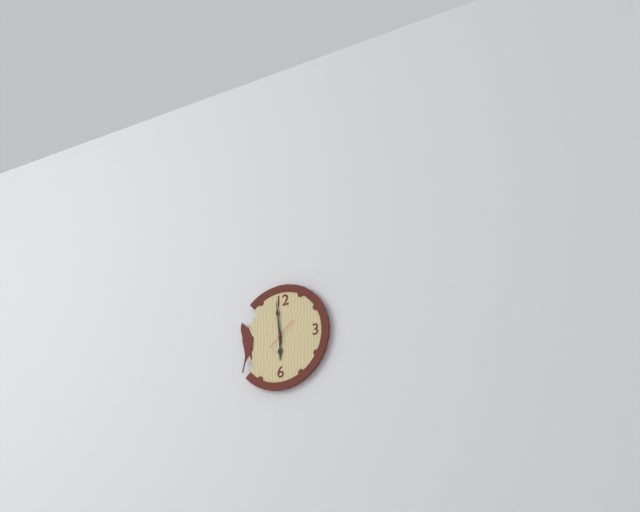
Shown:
5h59
